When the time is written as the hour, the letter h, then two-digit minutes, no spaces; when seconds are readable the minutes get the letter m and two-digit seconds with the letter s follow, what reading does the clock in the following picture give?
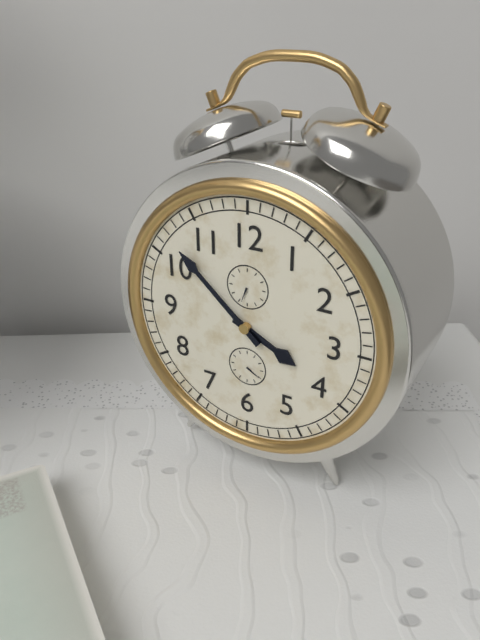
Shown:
3h52
